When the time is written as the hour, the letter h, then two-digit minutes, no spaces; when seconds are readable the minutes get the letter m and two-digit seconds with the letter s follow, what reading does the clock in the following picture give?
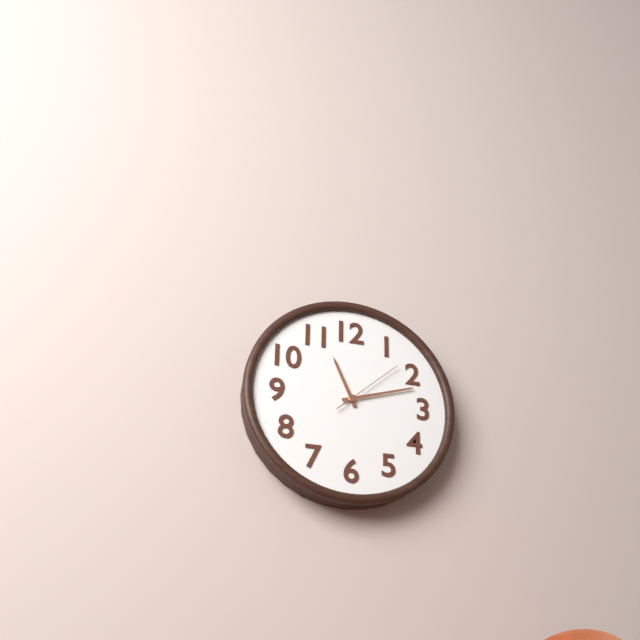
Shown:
11h12m08s
